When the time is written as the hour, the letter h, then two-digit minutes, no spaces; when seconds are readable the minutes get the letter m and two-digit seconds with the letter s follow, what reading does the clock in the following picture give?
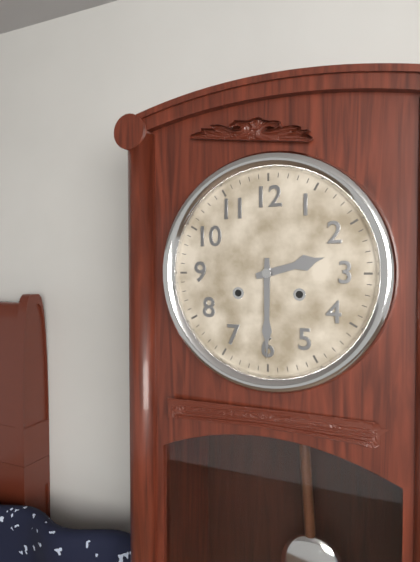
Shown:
2h30
